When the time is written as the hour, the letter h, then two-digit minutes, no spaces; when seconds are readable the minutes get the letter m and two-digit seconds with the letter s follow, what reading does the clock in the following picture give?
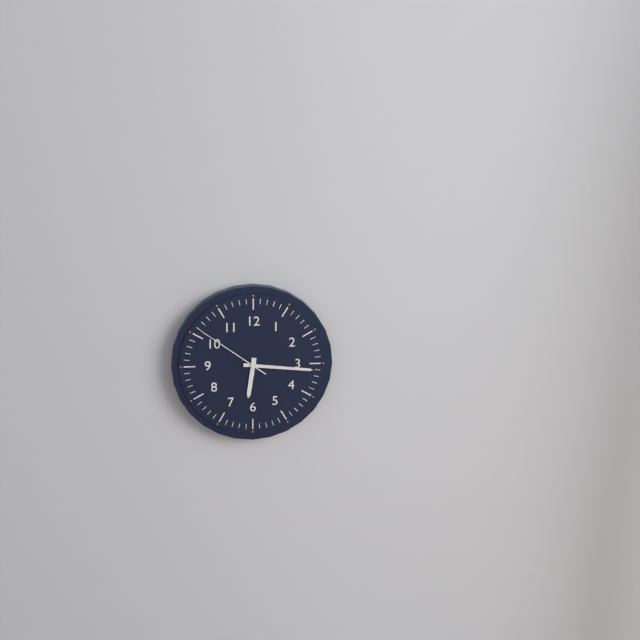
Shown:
6h16m51s
